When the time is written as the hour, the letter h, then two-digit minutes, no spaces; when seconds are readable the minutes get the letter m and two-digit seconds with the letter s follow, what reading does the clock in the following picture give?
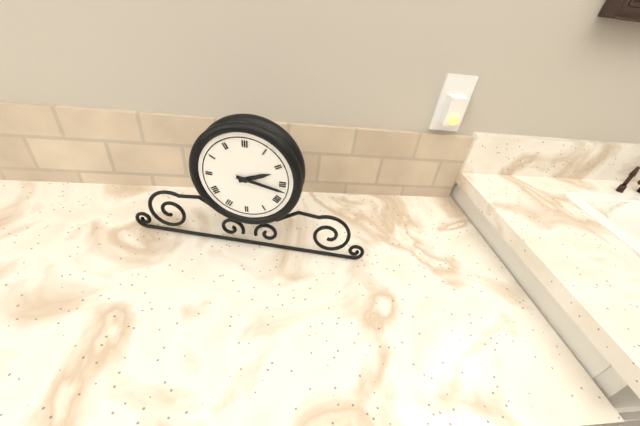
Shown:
2h17
